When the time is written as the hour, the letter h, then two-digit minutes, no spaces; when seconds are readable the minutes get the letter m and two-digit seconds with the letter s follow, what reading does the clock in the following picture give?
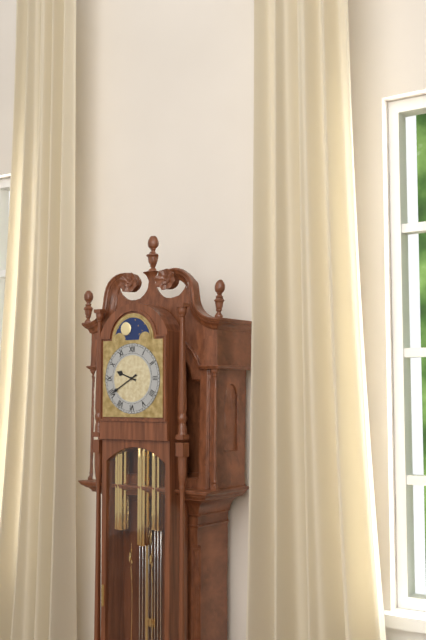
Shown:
9h40
